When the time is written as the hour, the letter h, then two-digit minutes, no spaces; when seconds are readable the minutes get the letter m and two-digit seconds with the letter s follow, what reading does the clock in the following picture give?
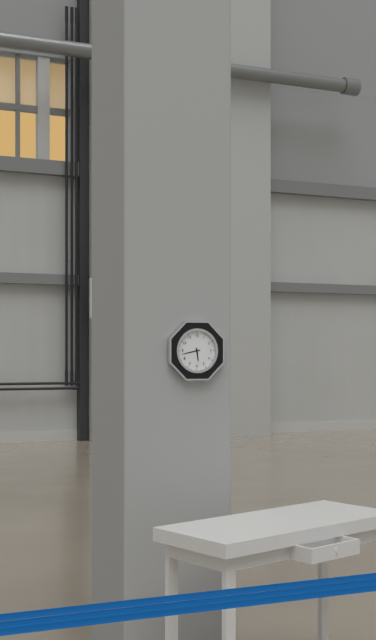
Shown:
5h43
